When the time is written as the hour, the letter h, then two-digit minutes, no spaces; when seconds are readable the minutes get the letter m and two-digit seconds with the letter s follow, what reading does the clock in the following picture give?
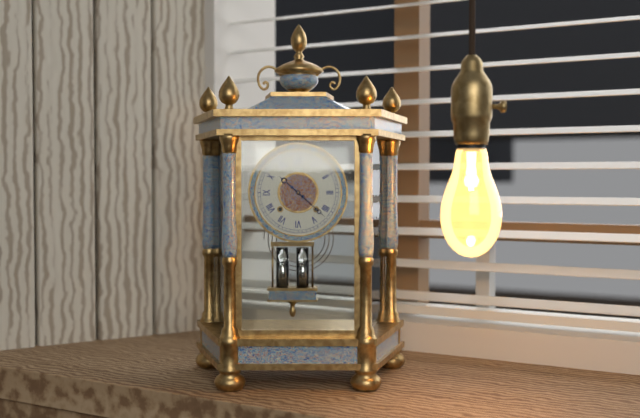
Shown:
10h22
